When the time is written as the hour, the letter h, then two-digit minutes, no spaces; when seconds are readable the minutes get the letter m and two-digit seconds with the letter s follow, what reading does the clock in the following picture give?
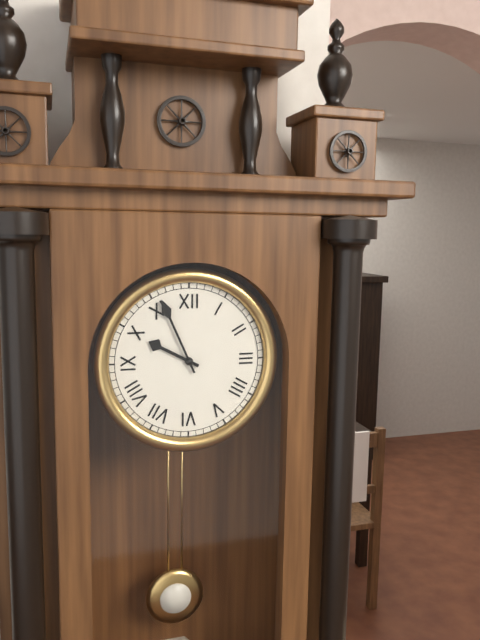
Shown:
9h56
